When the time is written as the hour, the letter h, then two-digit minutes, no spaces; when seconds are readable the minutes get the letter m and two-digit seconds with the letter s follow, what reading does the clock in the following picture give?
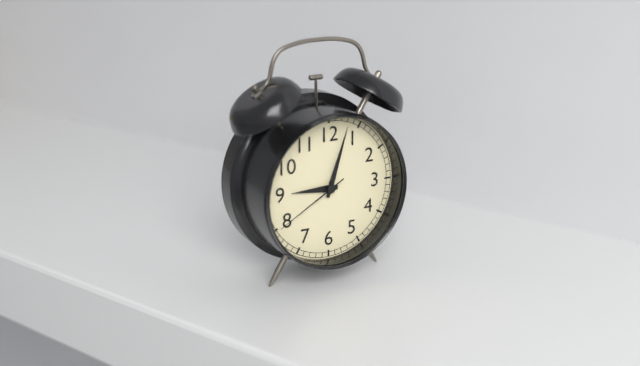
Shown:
9h03m40s
